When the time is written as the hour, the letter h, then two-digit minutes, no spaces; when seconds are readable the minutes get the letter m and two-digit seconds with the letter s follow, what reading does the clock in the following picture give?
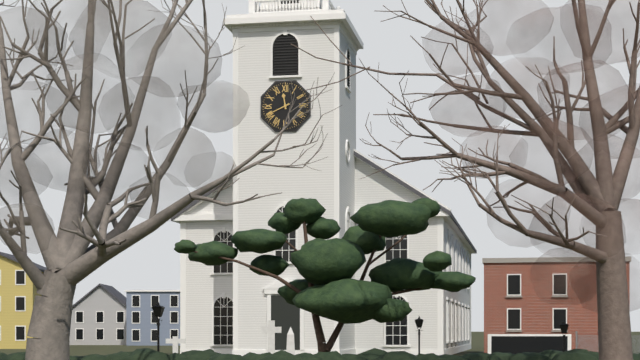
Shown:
11h41
